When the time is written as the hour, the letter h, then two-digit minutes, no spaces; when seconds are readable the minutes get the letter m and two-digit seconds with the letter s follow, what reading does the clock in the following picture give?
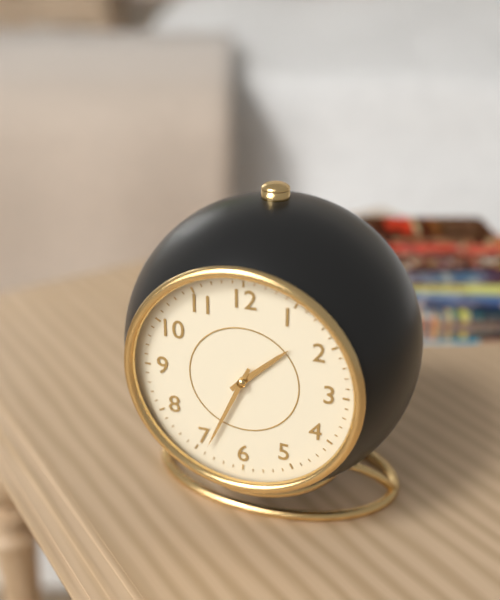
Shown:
1h34
